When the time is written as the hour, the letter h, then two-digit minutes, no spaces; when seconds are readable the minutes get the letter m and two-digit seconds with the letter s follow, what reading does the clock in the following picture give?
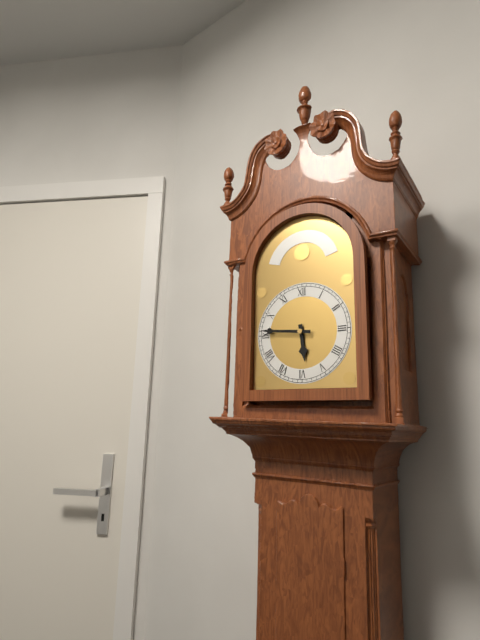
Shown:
5h46
